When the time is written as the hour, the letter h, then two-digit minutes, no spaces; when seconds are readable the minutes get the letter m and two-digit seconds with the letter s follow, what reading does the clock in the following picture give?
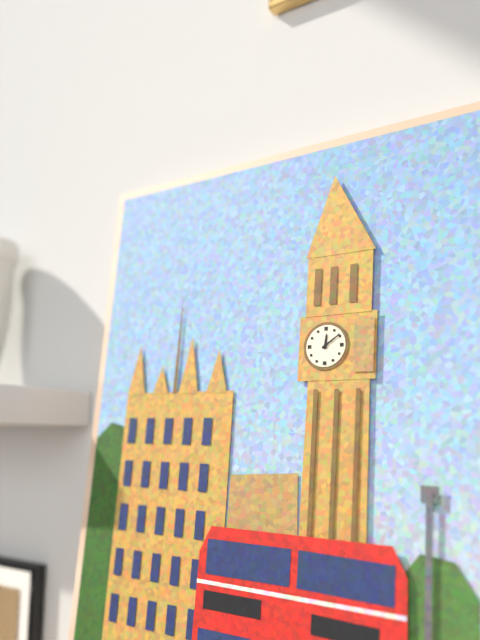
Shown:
12h09
